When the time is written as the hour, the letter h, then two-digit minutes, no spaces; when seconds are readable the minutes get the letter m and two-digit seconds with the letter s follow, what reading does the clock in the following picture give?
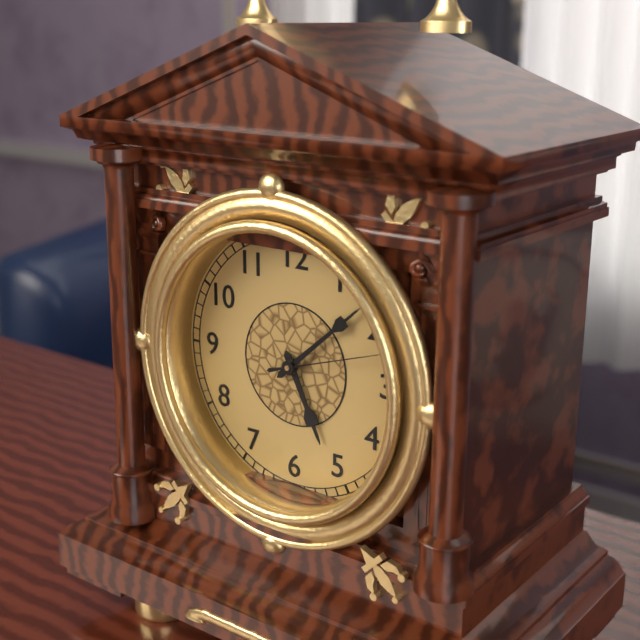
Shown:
5h08m12s
